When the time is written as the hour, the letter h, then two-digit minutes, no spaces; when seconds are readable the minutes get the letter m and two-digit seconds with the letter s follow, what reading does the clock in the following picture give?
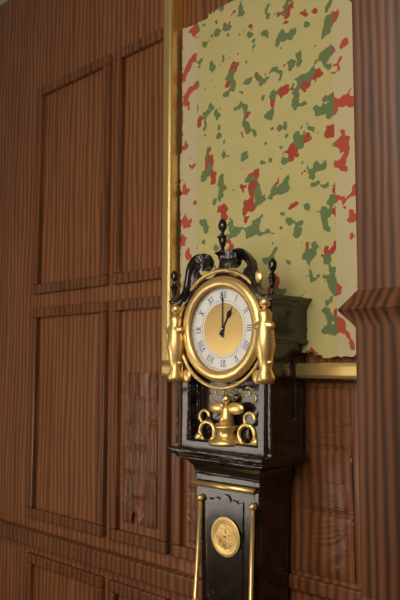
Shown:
1h00
